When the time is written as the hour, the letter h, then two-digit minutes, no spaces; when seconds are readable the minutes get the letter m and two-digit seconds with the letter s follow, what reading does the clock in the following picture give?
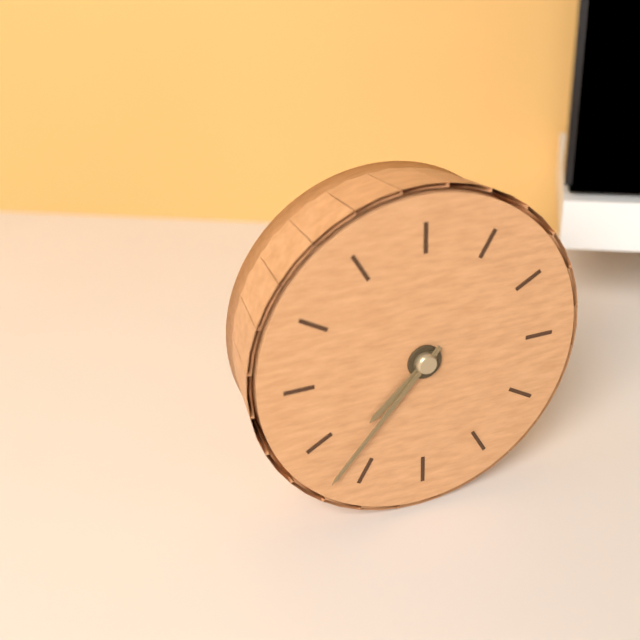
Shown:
7h37
